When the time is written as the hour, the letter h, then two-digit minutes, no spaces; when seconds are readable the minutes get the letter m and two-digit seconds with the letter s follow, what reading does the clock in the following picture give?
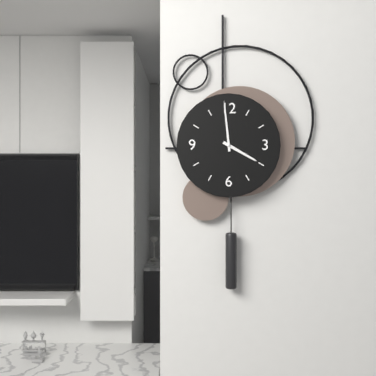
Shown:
3h59
